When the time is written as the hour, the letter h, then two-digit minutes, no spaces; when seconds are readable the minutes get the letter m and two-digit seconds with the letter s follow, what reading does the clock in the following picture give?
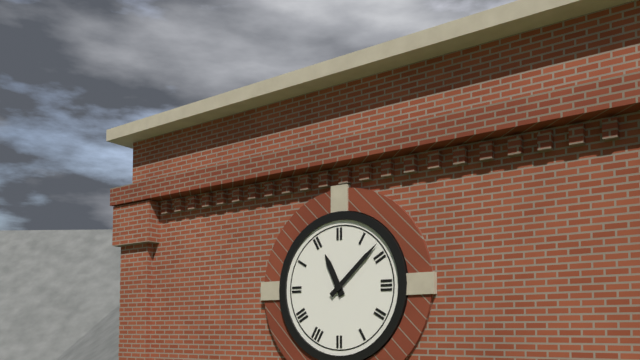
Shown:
11h08
